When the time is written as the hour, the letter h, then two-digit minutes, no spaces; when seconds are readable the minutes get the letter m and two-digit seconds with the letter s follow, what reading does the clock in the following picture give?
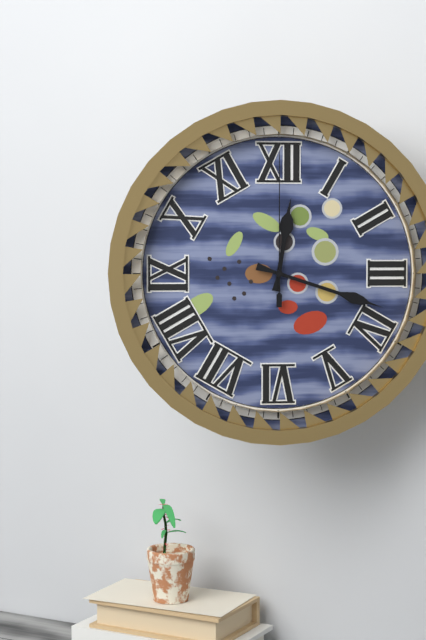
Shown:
12h18m00s
